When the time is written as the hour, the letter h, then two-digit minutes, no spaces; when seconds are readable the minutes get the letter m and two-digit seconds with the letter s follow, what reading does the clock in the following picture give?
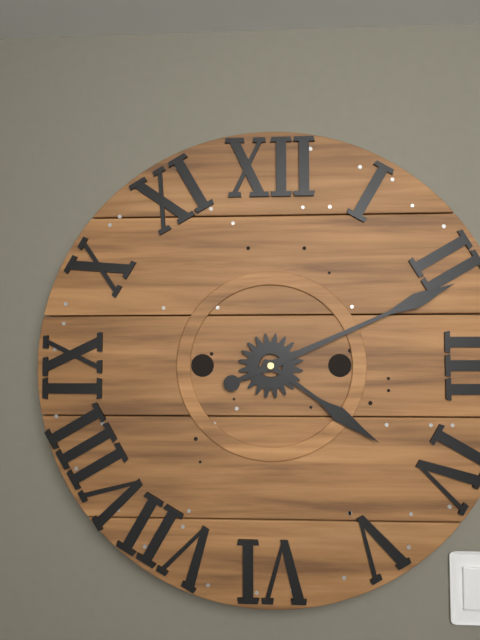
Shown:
4h11
